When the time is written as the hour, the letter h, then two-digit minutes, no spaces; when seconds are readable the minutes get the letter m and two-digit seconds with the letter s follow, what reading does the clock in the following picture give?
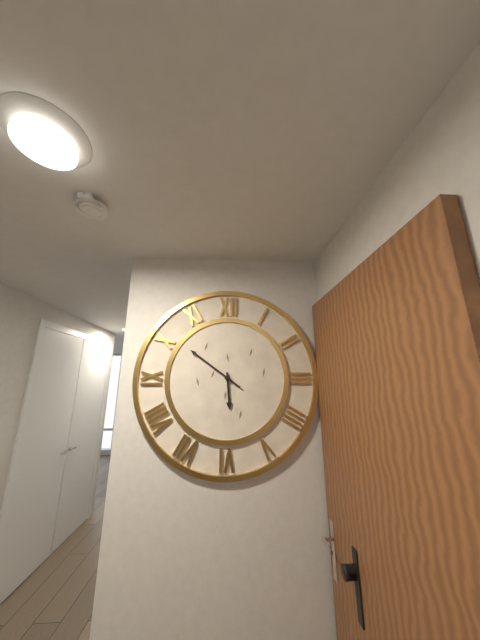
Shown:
5h51
